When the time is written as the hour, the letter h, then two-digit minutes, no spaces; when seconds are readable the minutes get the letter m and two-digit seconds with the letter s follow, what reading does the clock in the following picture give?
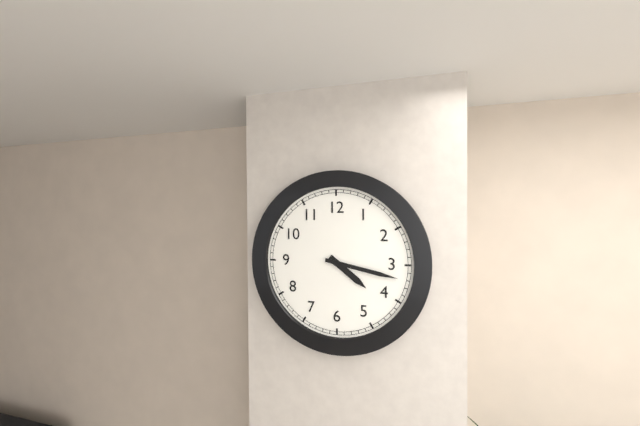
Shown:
4h17
